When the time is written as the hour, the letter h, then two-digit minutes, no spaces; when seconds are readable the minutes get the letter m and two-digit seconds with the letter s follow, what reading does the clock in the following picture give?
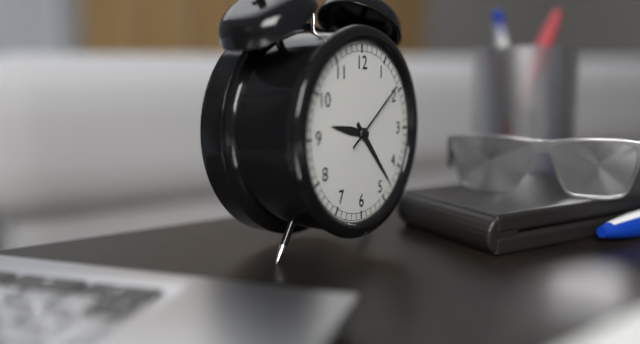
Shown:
9h23m09s
